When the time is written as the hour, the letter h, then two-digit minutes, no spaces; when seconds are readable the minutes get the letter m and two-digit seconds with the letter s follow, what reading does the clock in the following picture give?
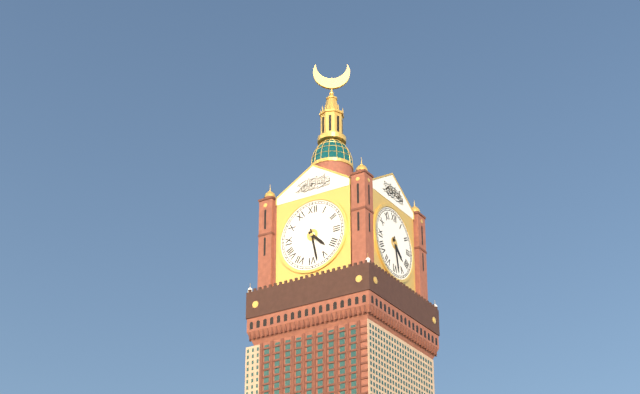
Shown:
4h28
